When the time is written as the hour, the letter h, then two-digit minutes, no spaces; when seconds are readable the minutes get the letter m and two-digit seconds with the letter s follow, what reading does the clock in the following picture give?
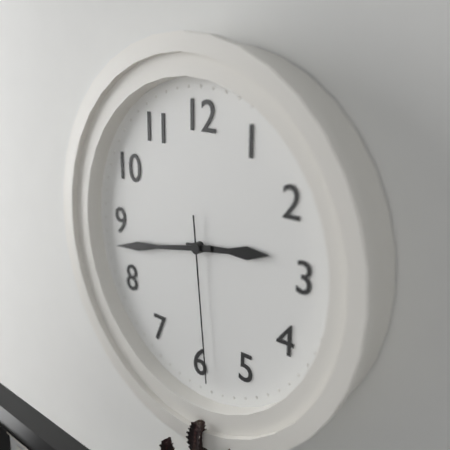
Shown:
2h43m29s
